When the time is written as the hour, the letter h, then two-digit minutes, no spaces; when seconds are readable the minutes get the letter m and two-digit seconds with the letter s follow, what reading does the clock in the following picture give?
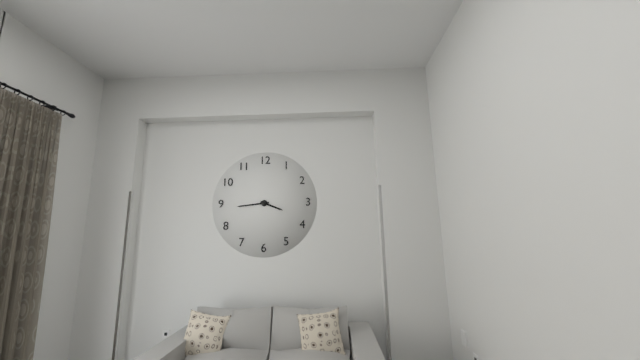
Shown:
3h44
